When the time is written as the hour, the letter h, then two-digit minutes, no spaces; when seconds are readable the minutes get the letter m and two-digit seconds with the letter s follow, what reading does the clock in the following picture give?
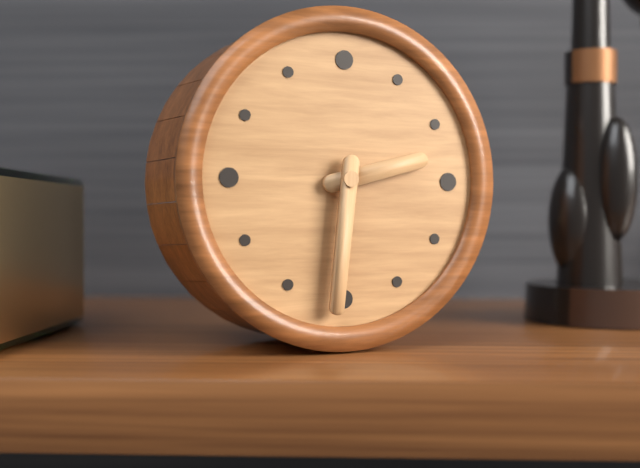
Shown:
2h31
